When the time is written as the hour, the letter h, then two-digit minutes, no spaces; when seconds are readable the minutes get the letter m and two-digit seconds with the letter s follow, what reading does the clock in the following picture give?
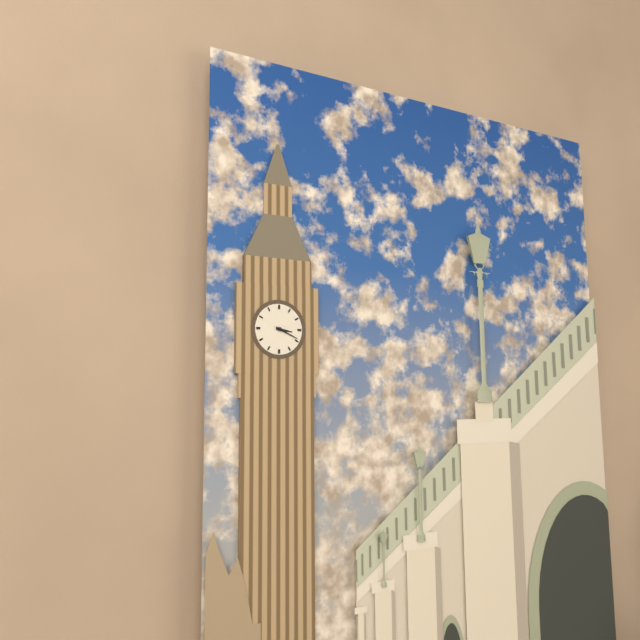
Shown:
3h19
